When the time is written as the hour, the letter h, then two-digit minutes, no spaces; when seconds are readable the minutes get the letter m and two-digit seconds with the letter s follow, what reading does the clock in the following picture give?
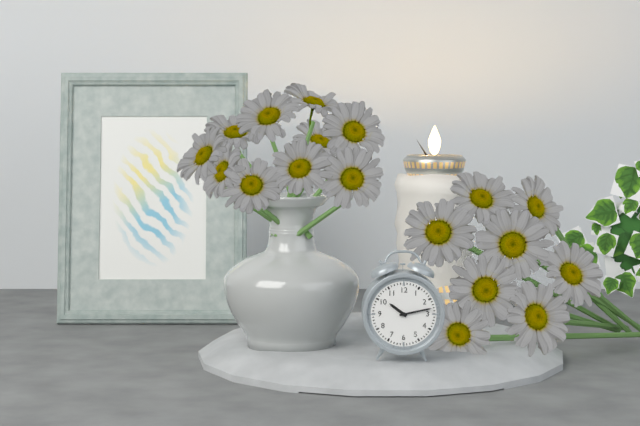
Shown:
10h13
